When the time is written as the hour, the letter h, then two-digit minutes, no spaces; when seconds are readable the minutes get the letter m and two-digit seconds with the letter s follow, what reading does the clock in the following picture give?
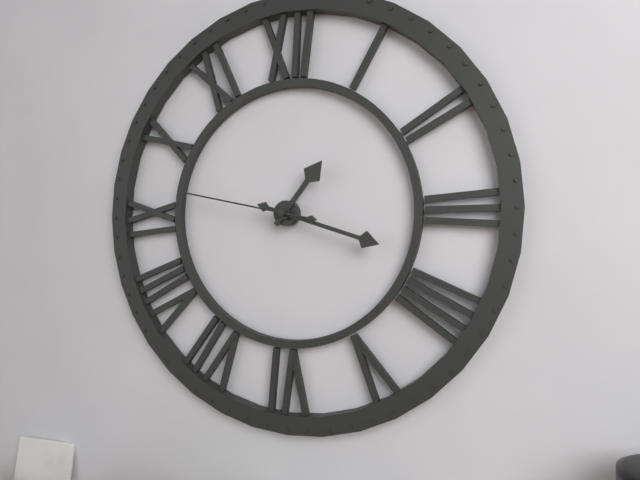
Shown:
1h18m47s
